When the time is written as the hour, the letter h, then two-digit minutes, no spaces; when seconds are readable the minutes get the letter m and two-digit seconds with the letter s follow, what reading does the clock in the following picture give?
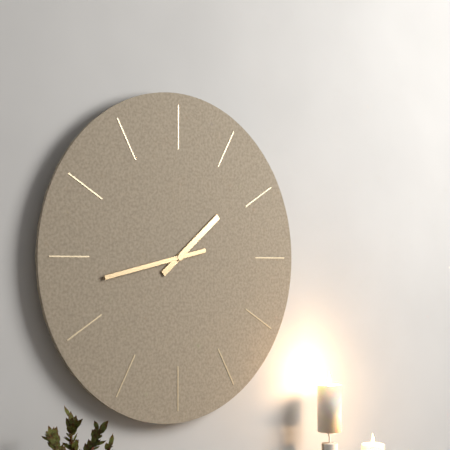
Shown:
1h43
